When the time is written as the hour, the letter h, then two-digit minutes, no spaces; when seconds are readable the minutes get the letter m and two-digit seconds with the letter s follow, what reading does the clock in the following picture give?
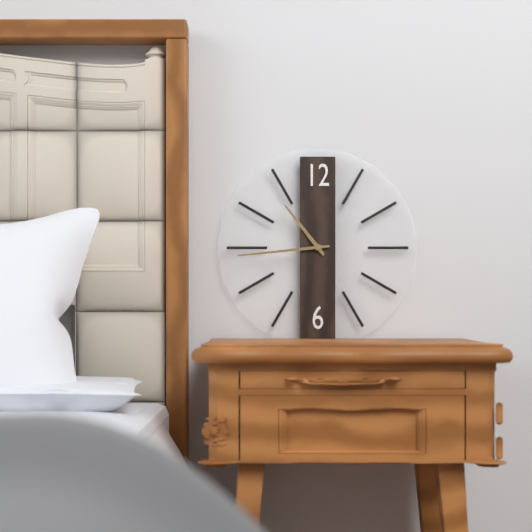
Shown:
10h44
